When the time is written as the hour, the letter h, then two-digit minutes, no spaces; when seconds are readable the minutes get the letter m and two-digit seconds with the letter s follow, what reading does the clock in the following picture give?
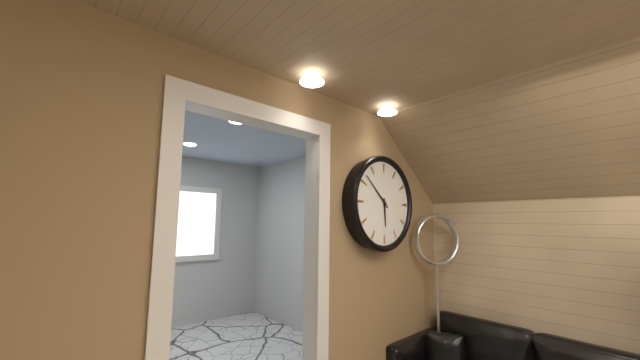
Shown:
5h52
